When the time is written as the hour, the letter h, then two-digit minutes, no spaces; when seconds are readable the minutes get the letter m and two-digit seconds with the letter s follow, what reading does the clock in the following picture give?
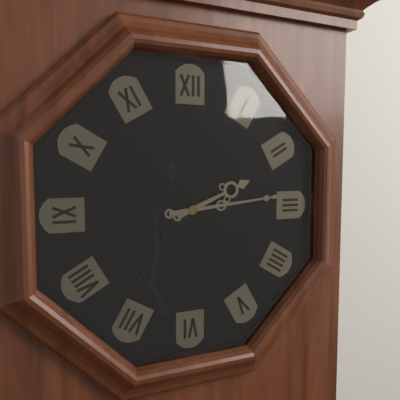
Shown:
2h14
